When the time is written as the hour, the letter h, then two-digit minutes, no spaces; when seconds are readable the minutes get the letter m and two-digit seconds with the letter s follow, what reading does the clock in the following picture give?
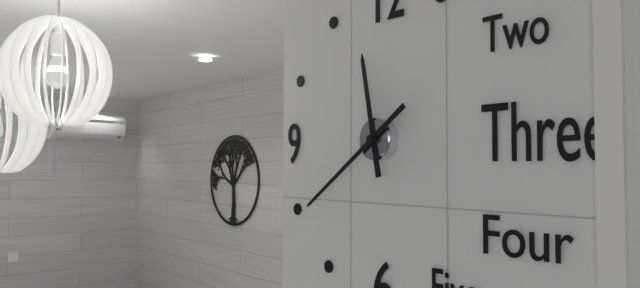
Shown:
11h39
